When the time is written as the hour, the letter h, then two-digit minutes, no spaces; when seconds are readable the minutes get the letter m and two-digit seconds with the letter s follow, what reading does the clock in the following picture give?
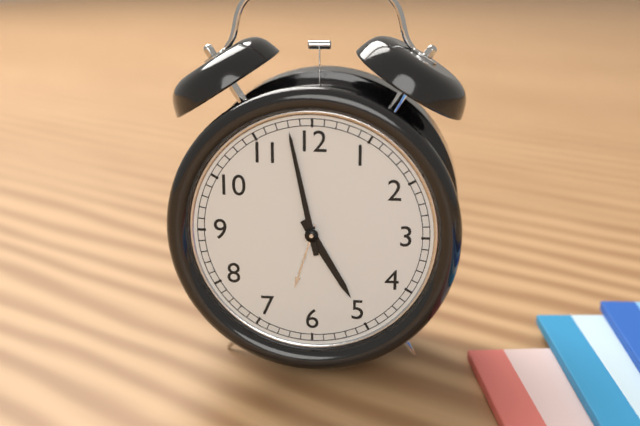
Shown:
4h58
